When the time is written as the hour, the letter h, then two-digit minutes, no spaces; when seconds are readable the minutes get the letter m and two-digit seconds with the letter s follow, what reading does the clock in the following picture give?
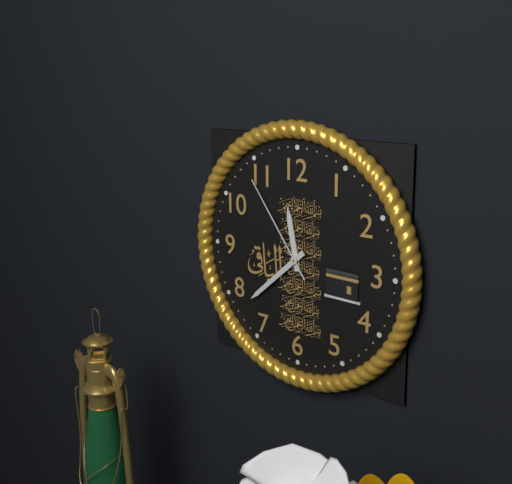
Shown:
11h38m54s
